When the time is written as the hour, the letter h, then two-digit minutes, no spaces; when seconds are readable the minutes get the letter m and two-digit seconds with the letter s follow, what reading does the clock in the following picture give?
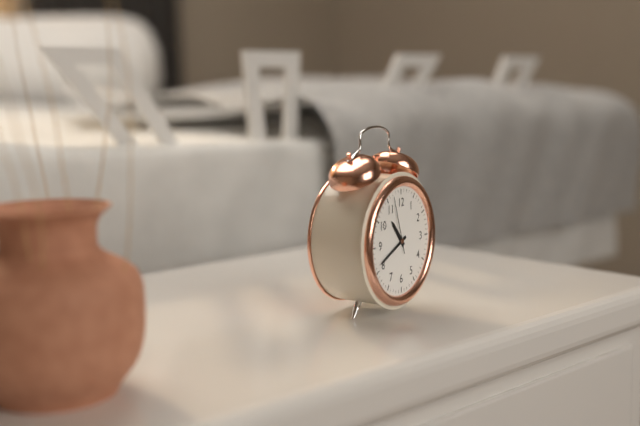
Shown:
10h41m57s
